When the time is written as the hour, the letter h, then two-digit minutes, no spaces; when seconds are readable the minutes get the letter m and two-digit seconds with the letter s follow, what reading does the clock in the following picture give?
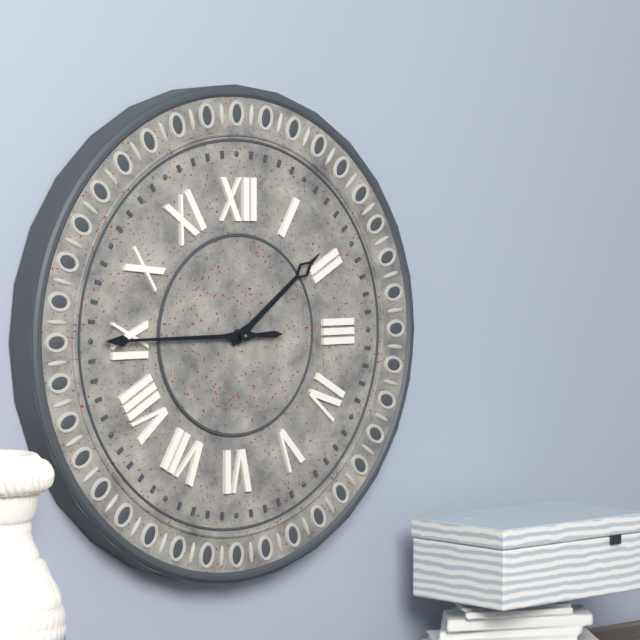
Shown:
1h45
